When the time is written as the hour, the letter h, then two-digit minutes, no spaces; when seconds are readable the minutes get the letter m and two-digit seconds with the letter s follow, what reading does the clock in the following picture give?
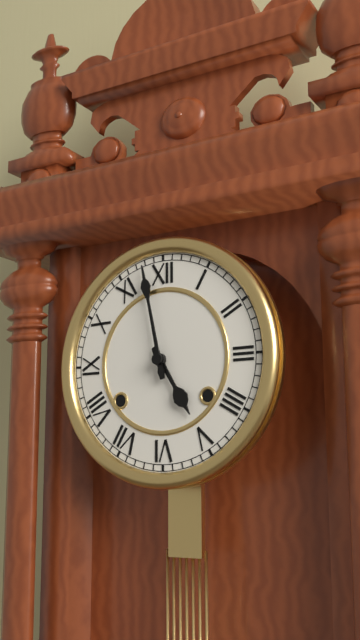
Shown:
4h58
